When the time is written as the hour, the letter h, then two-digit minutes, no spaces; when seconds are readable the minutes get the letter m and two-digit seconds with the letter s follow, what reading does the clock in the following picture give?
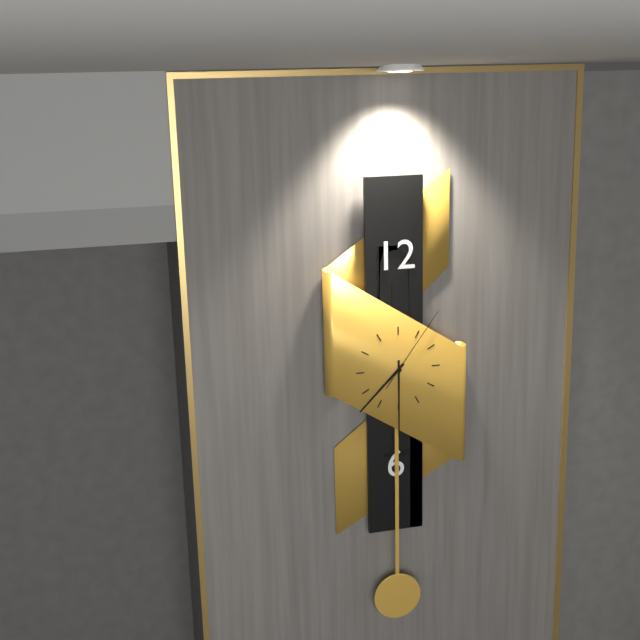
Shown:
7h30m06s
